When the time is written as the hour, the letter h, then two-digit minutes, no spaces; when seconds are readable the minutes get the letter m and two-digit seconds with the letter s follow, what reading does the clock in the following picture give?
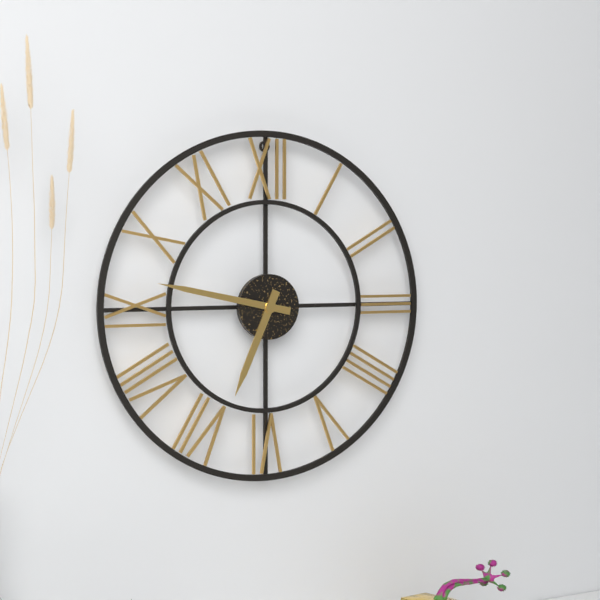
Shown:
6h47
